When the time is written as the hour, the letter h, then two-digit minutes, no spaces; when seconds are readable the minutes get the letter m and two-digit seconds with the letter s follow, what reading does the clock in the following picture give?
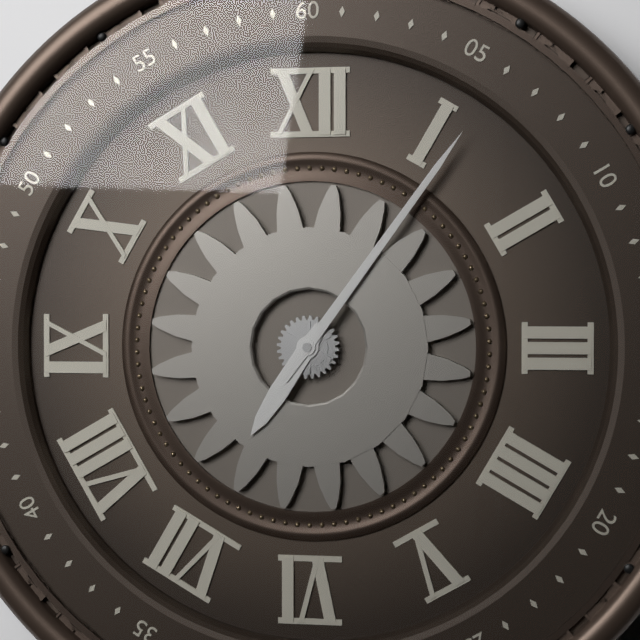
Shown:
7h06
